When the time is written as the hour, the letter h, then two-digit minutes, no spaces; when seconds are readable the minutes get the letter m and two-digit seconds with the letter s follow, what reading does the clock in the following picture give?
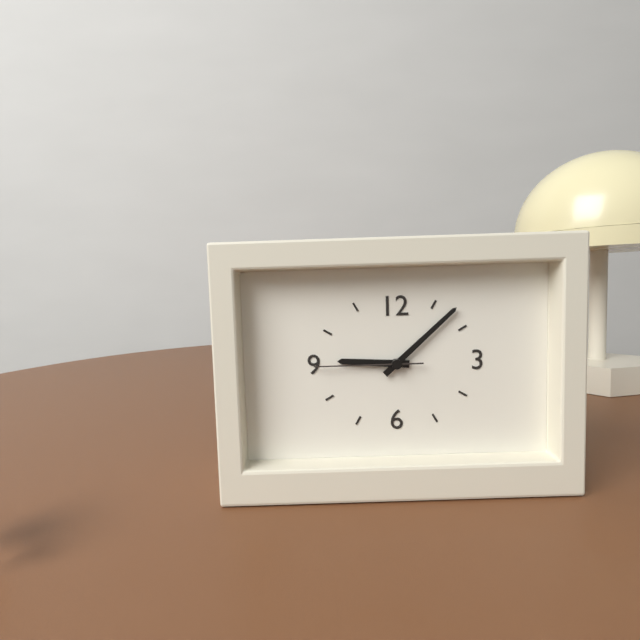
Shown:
9h08m45s
